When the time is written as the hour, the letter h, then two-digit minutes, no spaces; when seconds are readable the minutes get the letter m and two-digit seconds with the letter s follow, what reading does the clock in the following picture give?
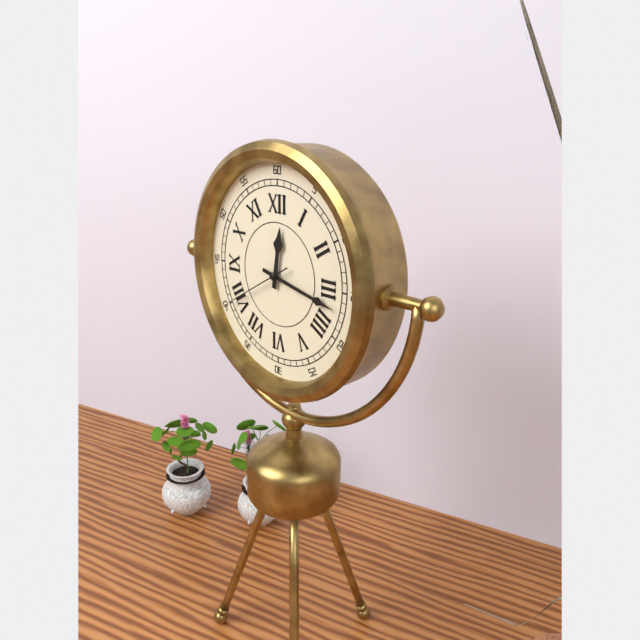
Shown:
12h17m40s
